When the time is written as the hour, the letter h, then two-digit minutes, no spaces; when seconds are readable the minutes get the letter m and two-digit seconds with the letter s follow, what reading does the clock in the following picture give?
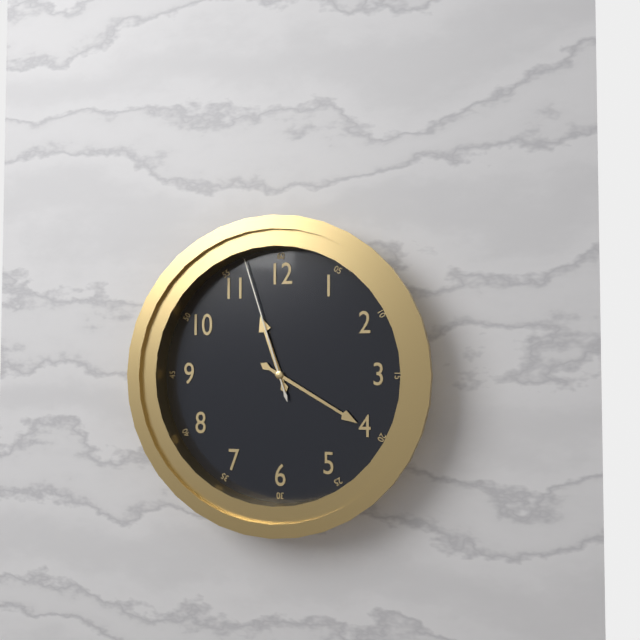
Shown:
11h20m57s
